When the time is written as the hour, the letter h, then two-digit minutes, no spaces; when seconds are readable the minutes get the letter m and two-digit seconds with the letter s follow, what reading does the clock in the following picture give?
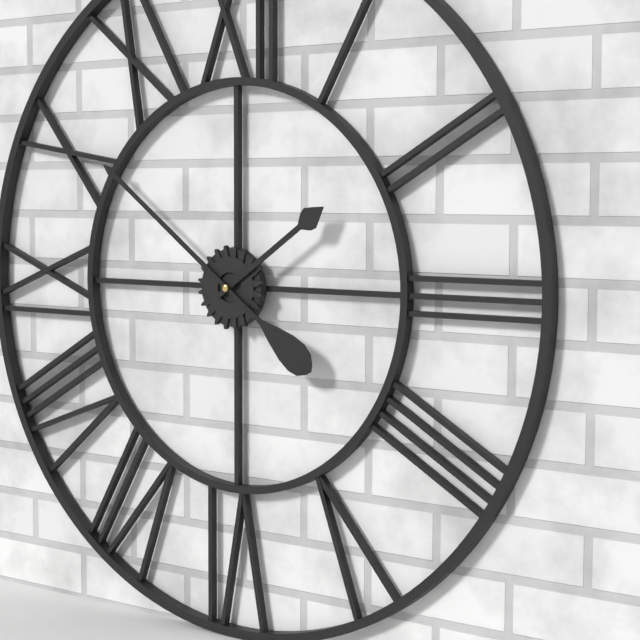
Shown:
1h51
